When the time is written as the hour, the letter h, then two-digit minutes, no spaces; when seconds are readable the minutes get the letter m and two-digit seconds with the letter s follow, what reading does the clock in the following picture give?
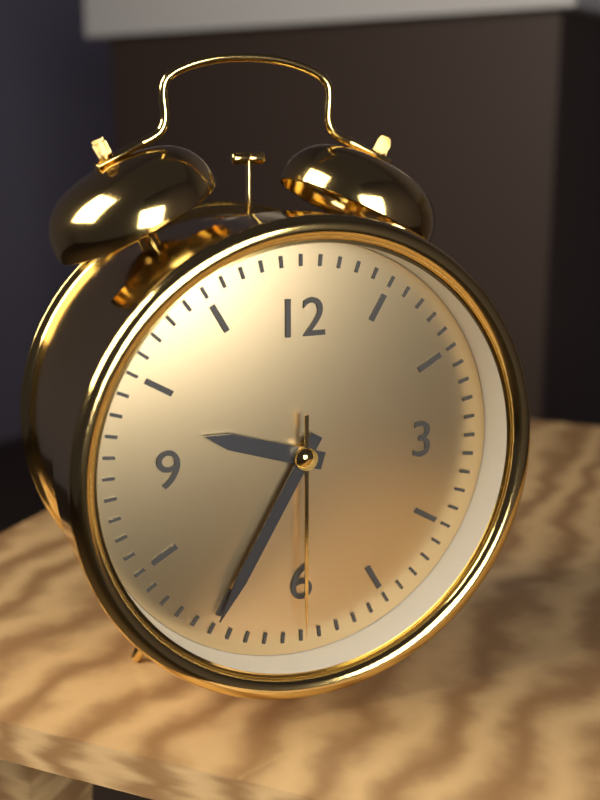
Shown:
9h35m30s
